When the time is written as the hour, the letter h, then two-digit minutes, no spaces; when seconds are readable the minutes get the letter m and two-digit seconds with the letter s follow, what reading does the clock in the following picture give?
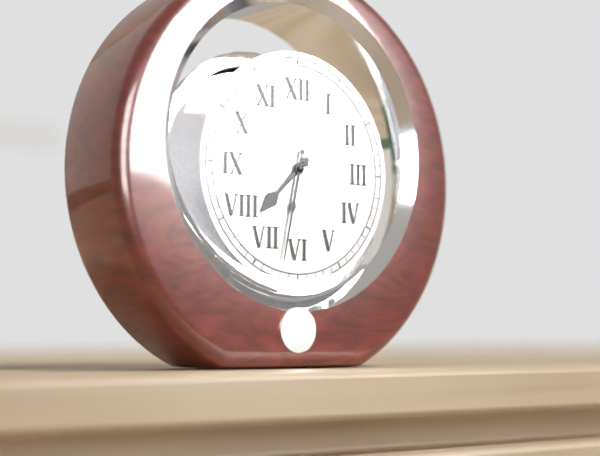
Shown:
7h32
